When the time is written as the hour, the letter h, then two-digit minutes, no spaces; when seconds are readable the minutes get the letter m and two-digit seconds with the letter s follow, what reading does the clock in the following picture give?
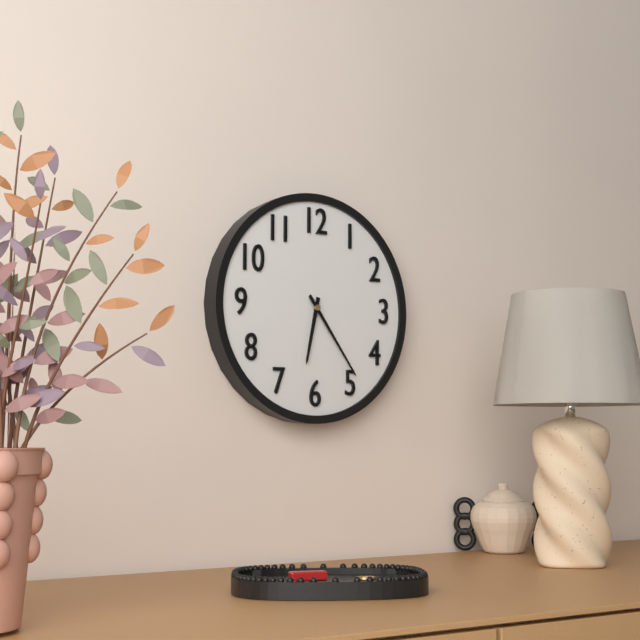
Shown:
6h24
